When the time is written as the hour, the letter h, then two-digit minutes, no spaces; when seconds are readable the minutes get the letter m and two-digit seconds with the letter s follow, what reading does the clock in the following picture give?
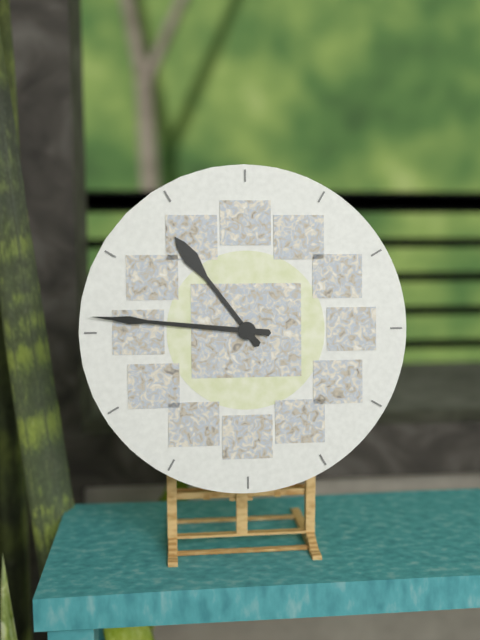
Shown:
10h46
